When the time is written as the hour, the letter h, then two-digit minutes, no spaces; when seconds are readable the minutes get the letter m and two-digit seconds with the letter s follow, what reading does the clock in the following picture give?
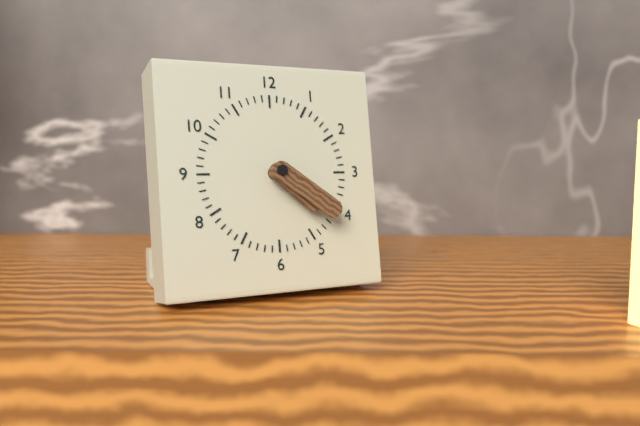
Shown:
4h21
